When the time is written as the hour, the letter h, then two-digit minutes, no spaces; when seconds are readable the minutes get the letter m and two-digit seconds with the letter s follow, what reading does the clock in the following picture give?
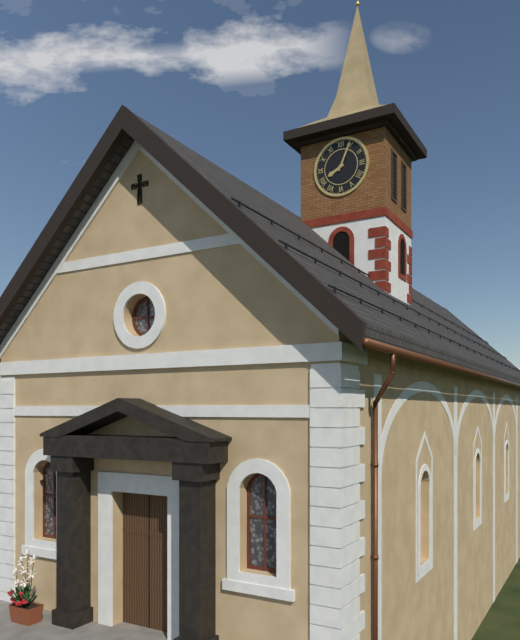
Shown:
8h04
